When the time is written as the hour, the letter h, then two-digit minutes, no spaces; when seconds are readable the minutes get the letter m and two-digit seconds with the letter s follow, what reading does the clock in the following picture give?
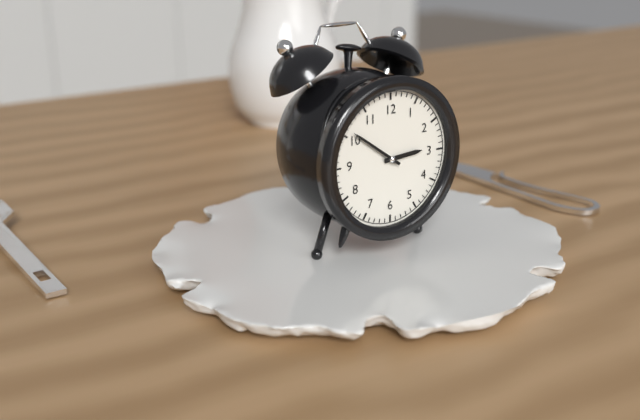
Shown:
2h51
